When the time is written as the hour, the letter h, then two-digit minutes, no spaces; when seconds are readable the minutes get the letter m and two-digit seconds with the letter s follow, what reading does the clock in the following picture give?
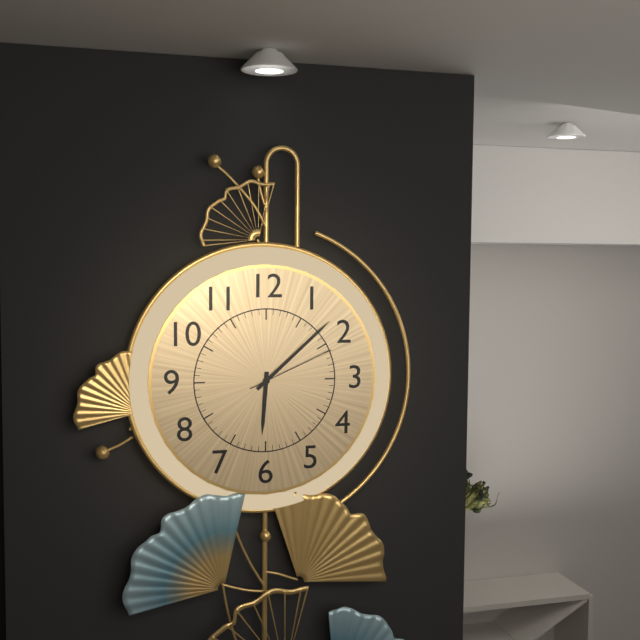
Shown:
6h08m11s
